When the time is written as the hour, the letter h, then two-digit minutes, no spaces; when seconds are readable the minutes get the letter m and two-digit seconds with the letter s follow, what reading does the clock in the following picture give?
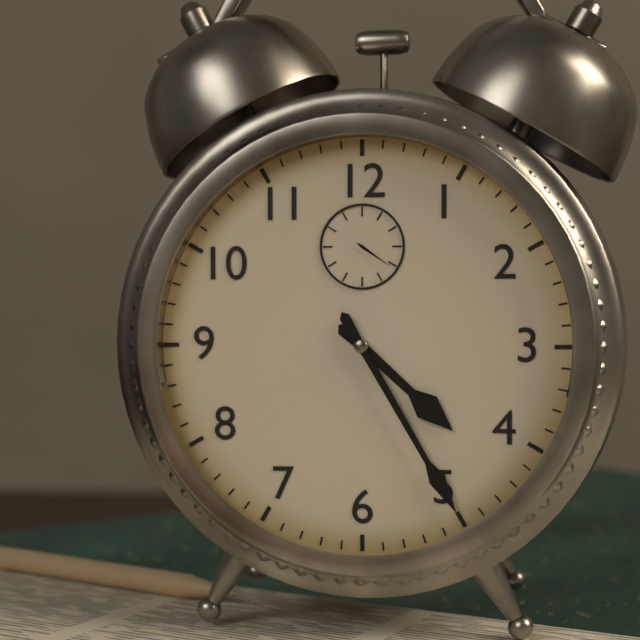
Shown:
4h25
